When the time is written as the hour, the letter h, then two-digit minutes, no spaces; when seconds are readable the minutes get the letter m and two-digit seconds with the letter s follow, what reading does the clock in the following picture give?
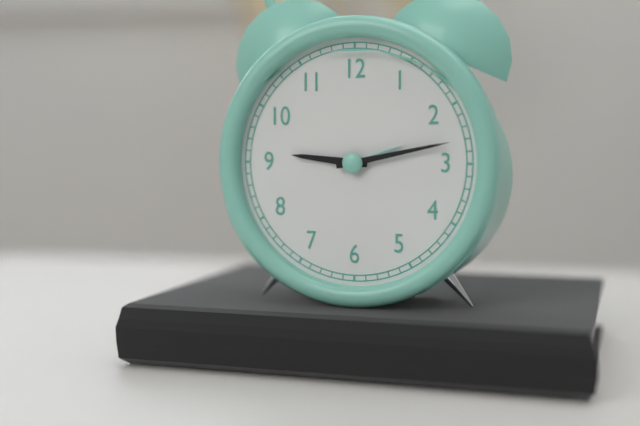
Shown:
9h13
